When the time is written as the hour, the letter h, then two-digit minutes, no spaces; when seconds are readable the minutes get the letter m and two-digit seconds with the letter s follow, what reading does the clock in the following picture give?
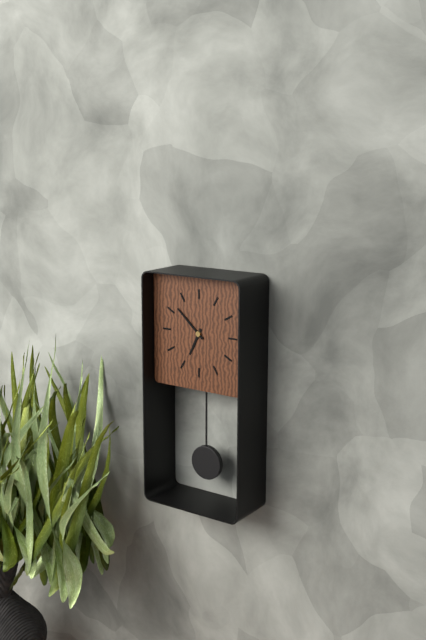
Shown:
6h52
